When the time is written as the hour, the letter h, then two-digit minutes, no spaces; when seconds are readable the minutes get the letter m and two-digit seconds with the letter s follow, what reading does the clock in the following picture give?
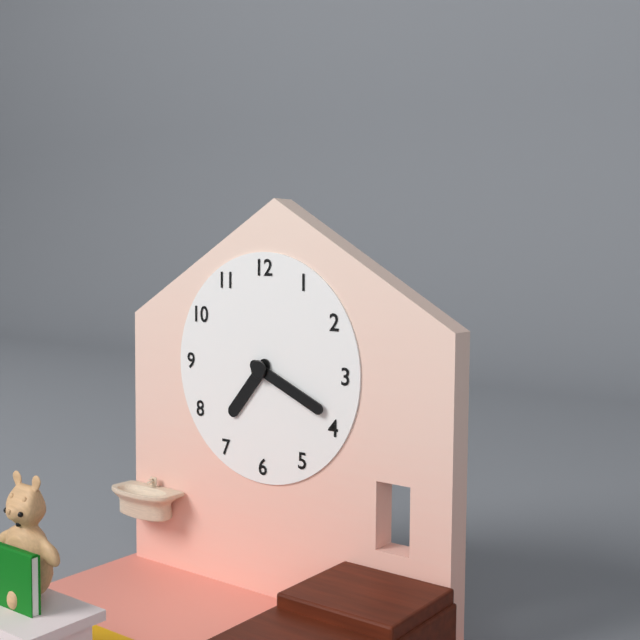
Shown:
7h19
